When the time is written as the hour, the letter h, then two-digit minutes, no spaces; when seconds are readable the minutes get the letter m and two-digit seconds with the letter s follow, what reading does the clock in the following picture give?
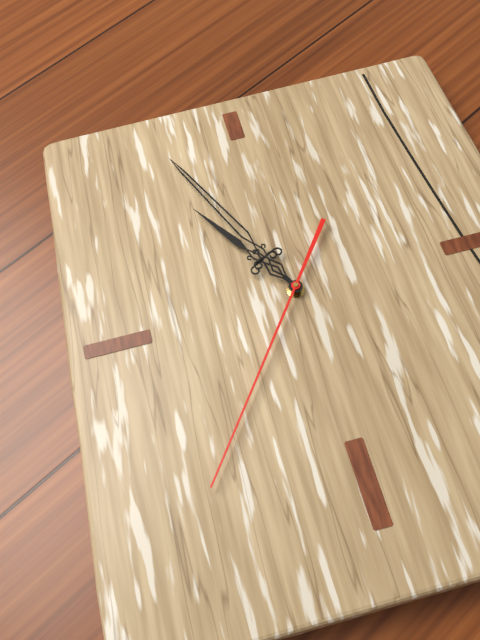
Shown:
10h56m36s
